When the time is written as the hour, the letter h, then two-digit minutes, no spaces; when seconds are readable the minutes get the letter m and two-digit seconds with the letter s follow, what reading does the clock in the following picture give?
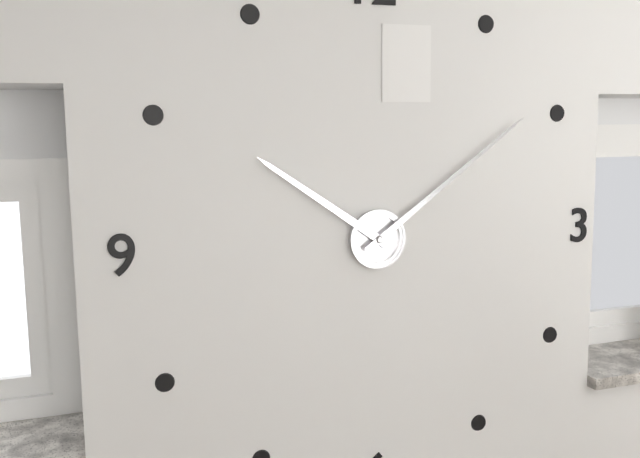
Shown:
10h09
